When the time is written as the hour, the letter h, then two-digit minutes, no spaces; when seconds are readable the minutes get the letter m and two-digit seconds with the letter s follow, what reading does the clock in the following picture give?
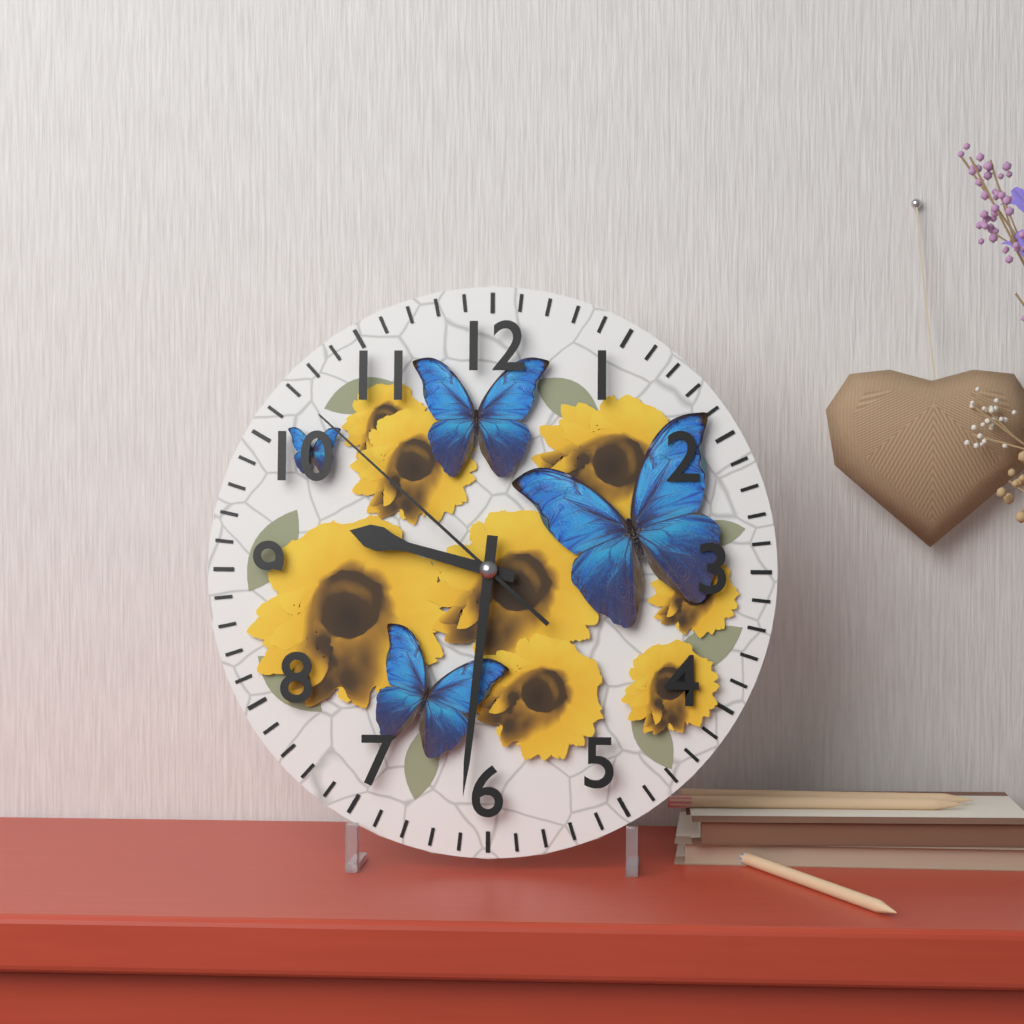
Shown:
9h31m52s
